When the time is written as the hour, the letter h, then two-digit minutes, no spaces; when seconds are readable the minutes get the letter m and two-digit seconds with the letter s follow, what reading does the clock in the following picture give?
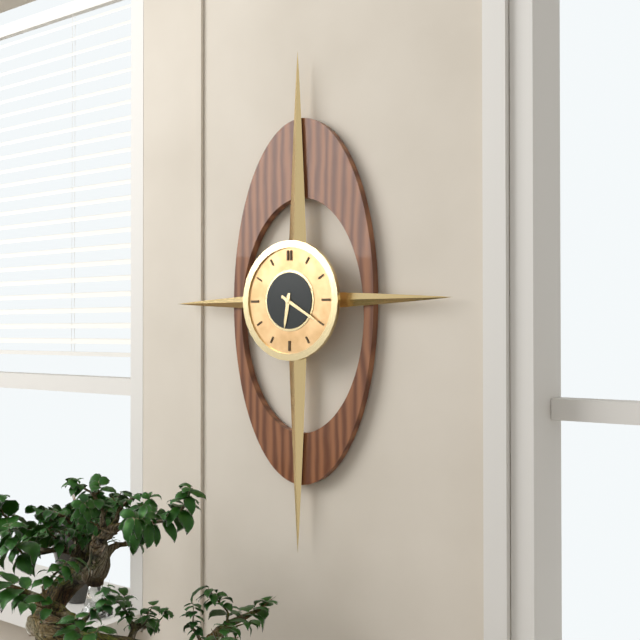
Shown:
6h20
